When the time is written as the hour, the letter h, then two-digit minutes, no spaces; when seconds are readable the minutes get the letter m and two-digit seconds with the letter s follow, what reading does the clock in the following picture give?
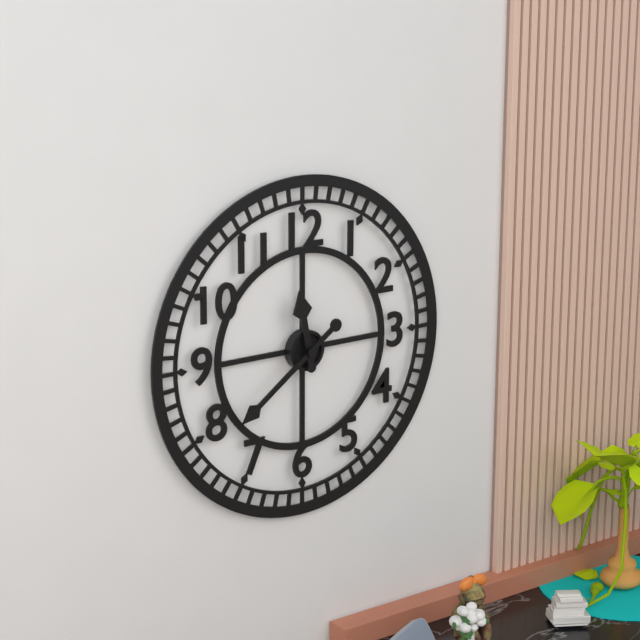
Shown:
11h39
